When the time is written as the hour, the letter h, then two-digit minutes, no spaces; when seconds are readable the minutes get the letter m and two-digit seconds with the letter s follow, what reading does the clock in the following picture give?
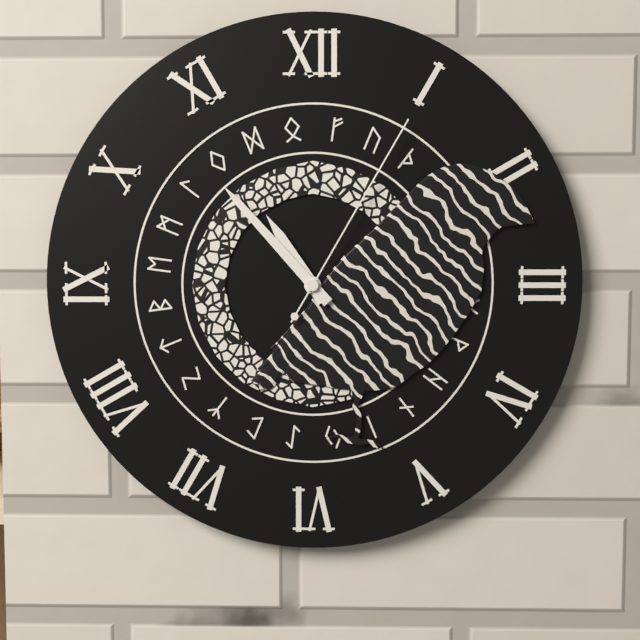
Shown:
10h53m05s
